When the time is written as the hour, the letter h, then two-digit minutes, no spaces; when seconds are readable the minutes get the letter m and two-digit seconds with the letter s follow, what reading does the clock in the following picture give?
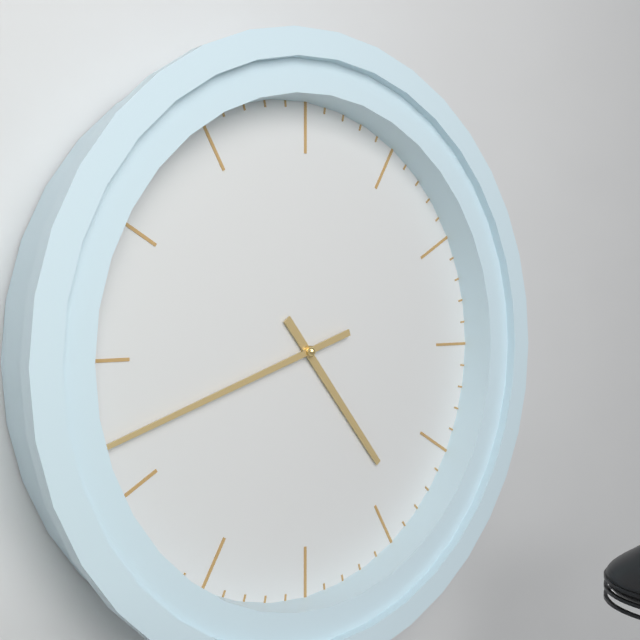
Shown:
4h42
